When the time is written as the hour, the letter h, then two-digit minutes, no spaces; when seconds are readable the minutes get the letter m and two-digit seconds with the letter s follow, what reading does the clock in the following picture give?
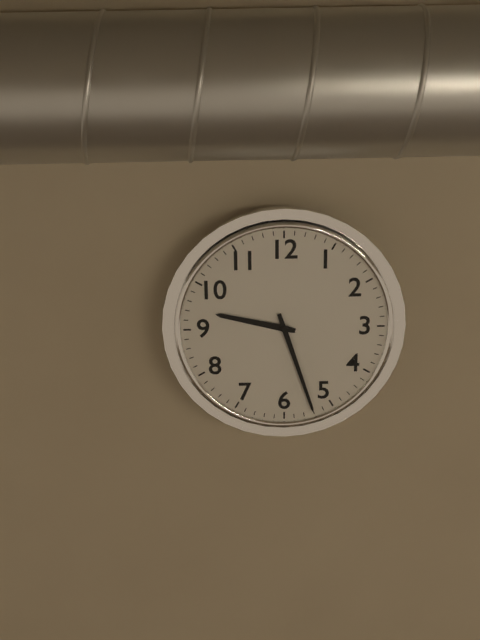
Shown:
9h27
